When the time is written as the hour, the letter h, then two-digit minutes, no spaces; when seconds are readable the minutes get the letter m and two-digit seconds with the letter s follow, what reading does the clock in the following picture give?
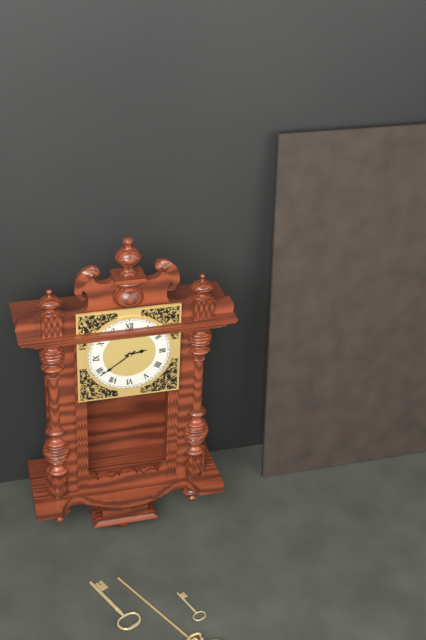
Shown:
2h39
